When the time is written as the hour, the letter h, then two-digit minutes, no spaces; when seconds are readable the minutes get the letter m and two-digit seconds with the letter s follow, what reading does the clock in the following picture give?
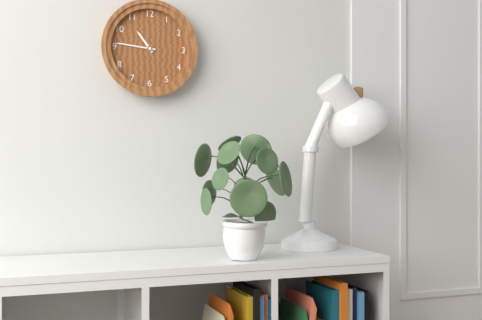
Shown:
10h46
